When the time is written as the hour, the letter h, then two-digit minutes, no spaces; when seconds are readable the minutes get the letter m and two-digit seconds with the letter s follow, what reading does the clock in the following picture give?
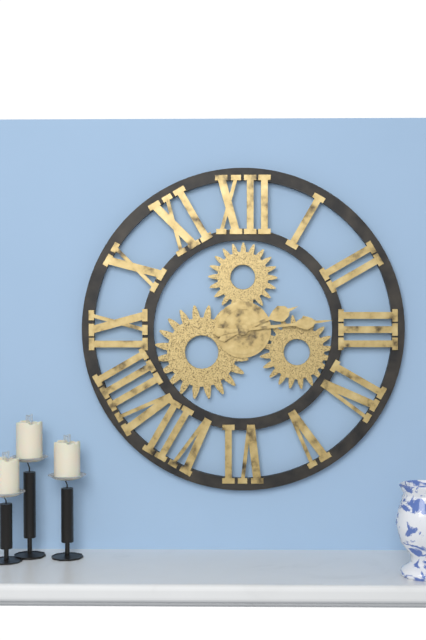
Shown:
2h14
